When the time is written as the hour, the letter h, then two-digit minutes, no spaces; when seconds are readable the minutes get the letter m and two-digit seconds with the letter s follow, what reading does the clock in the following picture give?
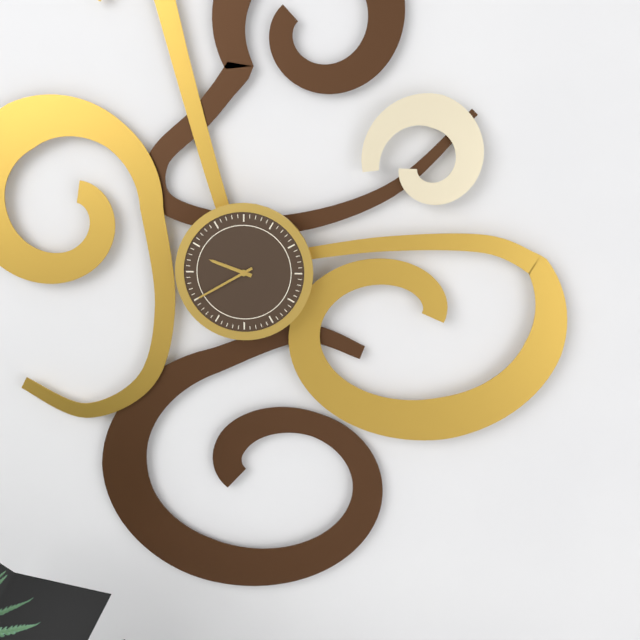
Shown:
9h40
